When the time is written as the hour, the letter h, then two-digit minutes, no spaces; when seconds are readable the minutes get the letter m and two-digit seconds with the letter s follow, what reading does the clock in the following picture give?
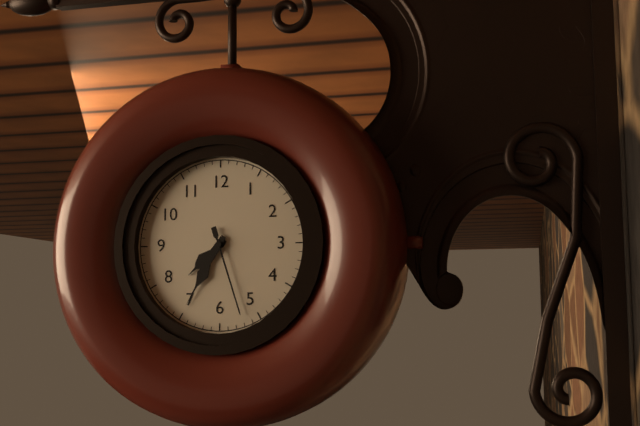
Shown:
7h35m27s
